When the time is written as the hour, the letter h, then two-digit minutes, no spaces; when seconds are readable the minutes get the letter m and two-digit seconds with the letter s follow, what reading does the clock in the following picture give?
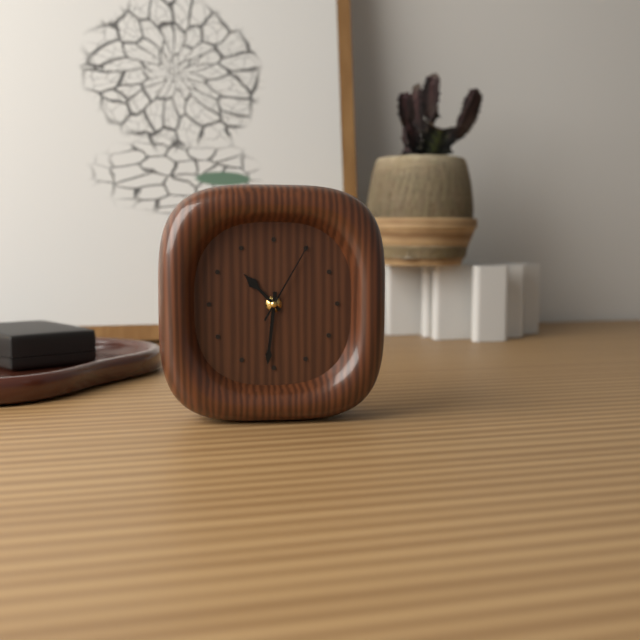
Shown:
10h31m05s
